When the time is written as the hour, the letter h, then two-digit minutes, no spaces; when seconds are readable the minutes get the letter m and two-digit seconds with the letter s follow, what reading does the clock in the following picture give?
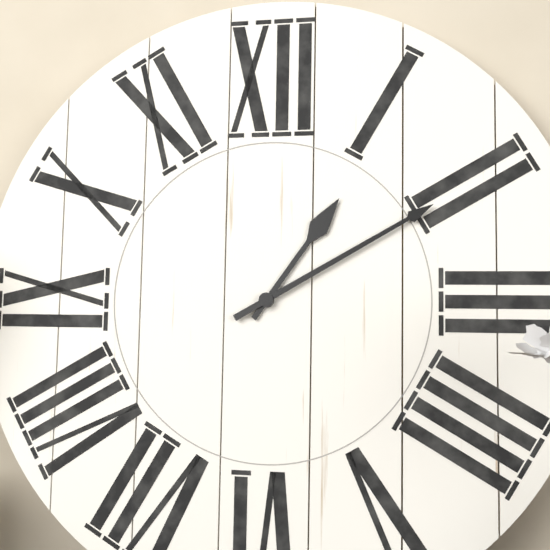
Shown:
1h10
